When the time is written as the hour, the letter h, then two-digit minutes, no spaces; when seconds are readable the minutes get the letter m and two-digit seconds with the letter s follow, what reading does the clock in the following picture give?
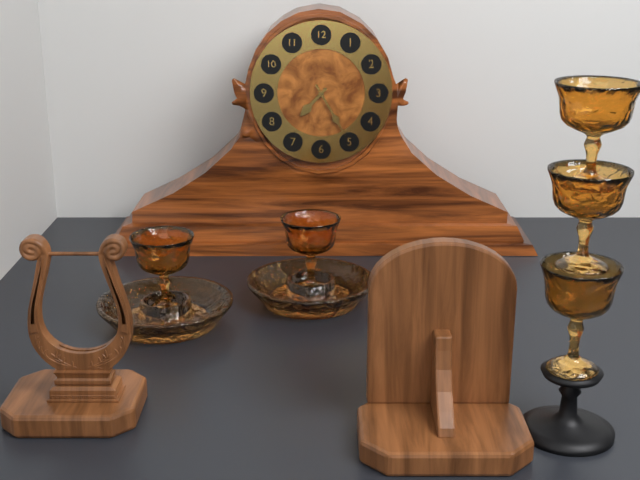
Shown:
7h25
